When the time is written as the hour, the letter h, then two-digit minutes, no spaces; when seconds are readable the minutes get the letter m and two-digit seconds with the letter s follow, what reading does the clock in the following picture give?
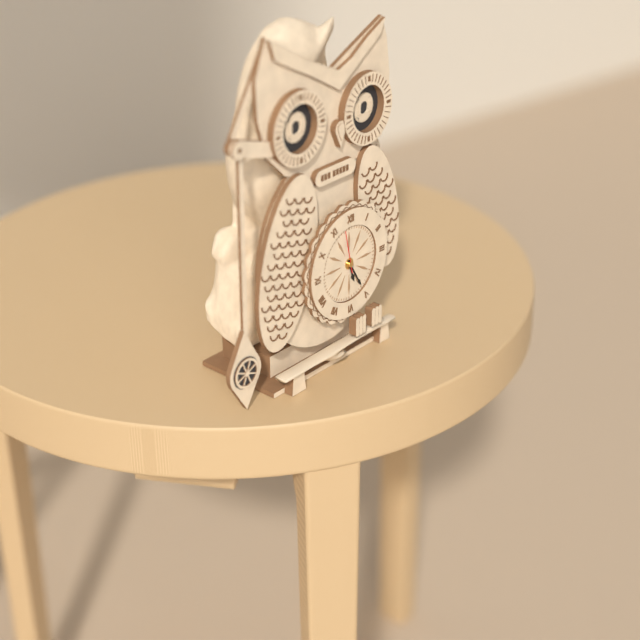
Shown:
5h25
